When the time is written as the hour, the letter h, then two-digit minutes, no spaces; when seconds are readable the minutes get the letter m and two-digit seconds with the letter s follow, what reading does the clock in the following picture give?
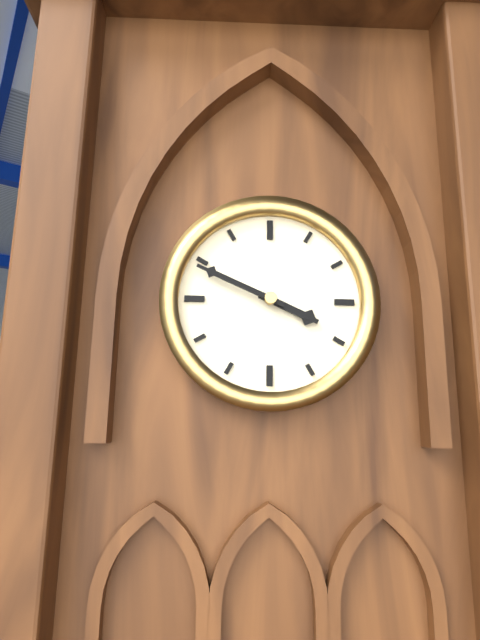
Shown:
3h49
